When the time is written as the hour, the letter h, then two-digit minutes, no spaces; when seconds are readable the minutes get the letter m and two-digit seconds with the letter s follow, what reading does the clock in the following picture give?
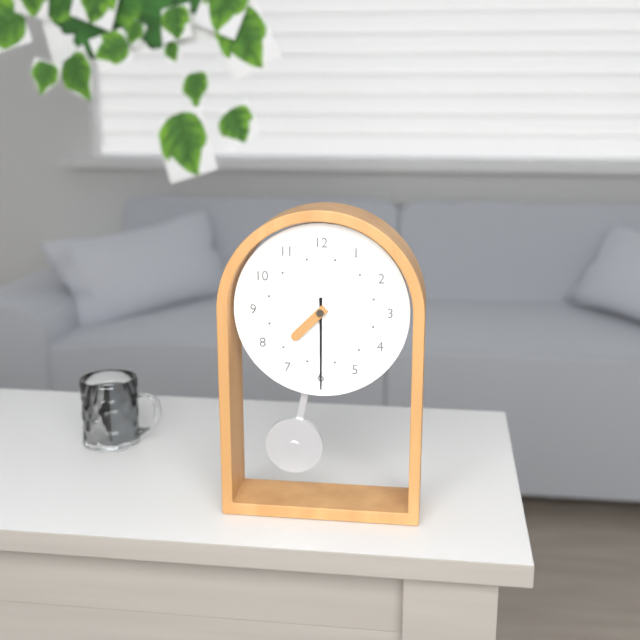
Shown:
7h30
